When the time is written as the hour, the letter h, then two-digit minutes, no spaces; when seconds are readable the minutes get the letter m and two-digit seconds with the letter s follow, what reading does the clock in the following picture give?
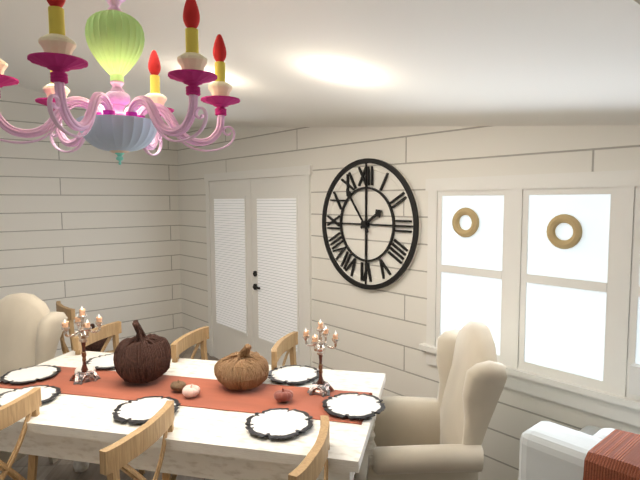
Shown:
1h54
